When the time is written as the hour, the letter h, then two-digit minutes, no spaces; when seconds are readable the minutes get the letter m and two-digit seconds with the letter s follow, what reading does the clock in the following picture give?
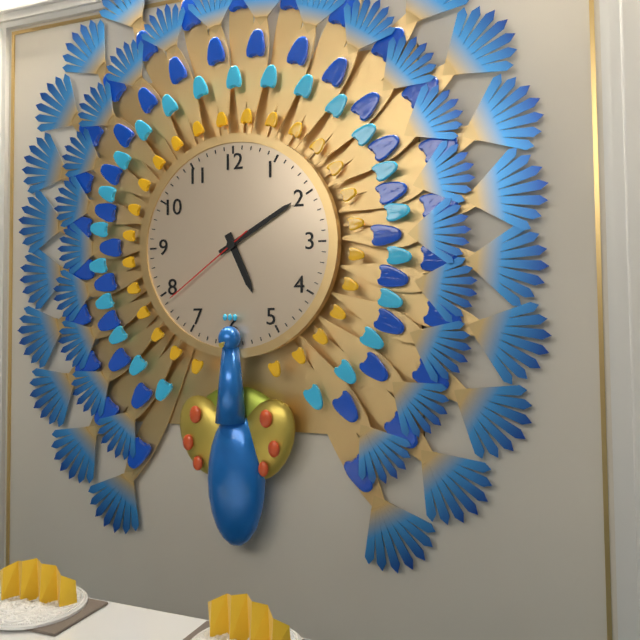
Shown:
5h10m39s
